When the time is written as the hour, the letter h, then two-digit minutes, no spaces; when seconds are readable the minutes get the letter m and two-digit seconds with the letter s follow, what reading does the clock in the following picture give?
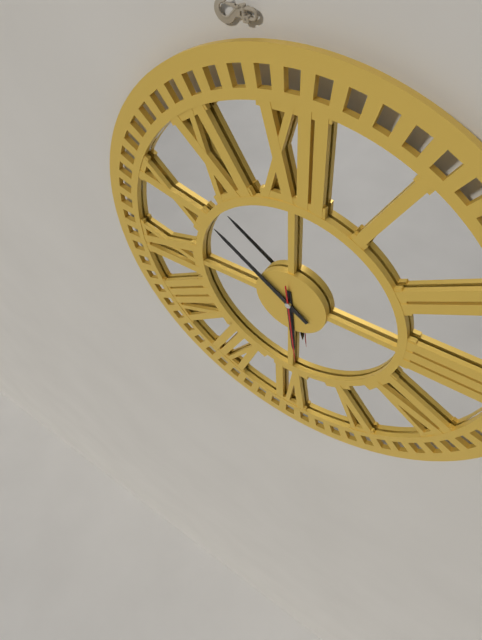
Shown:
5h51m29s
